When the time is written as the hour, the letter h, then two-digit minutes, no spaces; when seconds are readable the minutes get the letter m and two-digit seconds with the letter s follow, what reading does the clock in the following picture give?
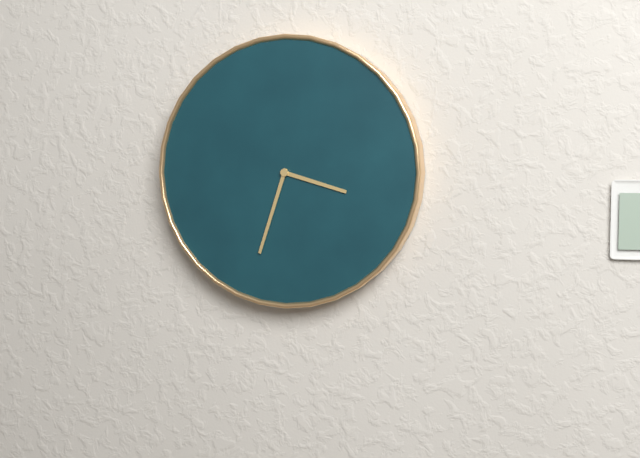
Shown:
3h33
